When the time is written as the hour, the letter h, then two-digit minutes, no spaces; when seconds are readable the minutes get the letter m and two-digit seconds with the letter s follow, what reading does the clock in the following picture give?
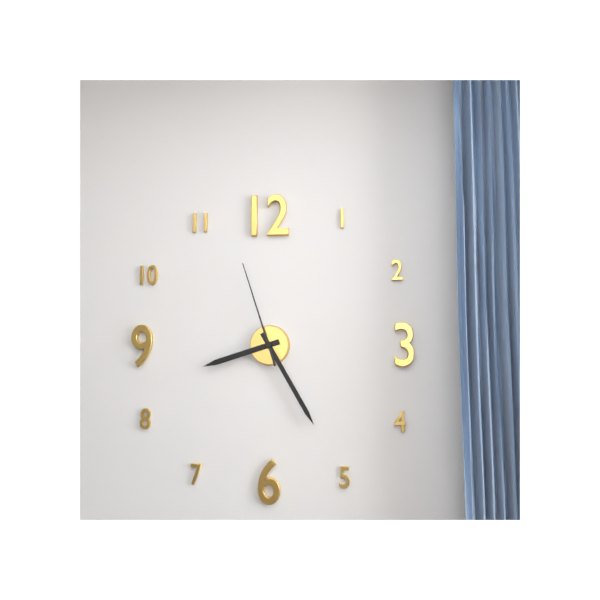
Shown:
8h25m57s
